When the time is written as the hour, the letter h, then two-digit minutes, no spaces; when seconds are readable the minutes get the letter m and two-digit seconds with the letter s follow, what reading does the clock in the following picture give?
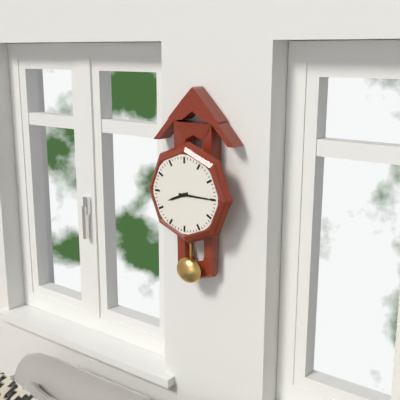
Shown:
8h15
